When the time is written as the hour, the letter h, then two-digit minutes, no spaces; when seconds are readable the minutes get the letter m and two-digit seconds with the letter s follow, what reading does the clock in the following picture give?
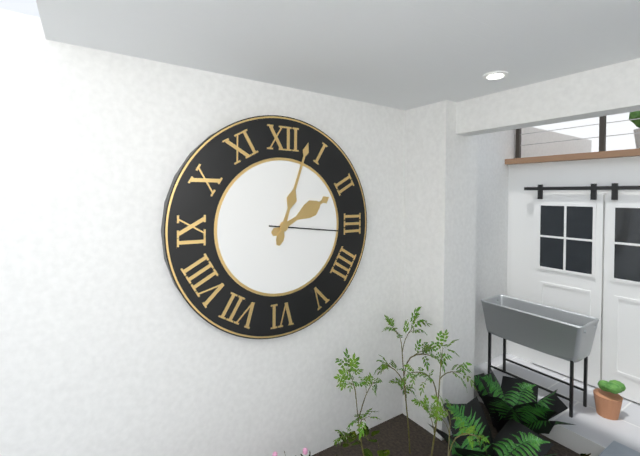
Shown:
2h03m16s
